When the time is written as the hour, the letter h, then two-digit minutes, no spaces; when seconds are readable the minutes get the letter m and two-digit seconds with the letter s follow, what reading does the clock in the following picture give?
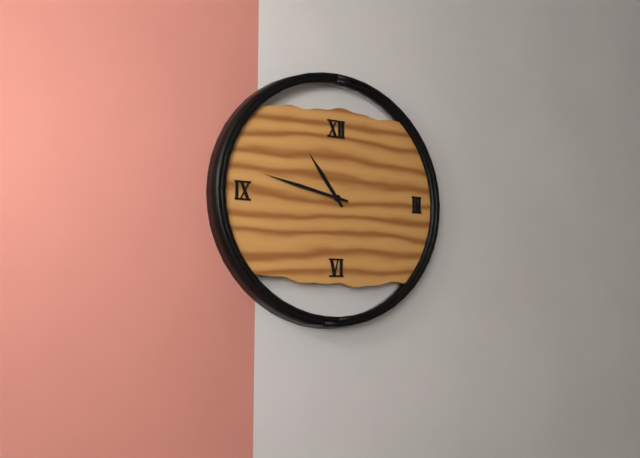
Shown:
10h47
